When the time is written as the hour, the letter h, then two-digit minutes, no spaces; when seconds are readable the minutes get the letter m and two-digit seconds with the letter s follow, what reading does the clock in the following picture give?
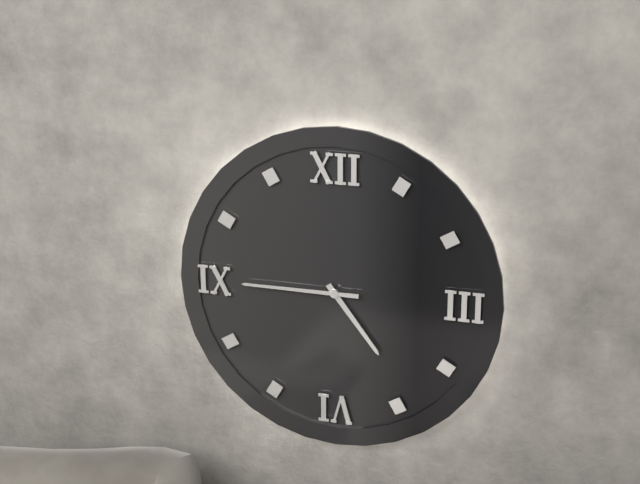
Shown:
4h45
